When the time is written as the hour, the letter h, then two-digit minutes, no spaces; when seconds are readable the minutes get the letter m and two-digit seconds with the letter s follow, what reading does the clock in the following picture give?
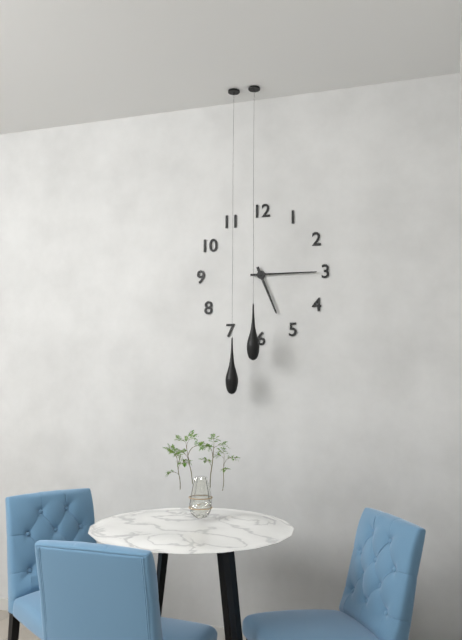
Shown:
5h15
